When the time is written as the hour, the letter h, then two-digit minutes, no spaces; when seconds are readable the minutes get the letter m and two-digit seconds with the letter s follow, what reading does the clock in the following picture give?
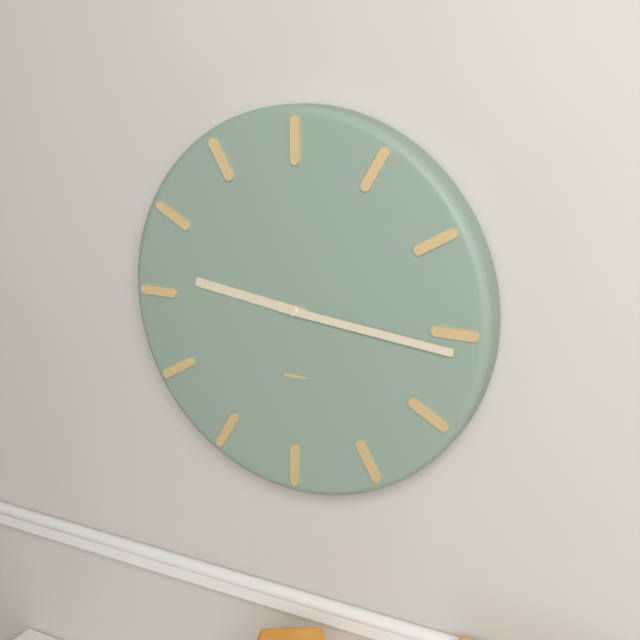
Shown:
9h16
